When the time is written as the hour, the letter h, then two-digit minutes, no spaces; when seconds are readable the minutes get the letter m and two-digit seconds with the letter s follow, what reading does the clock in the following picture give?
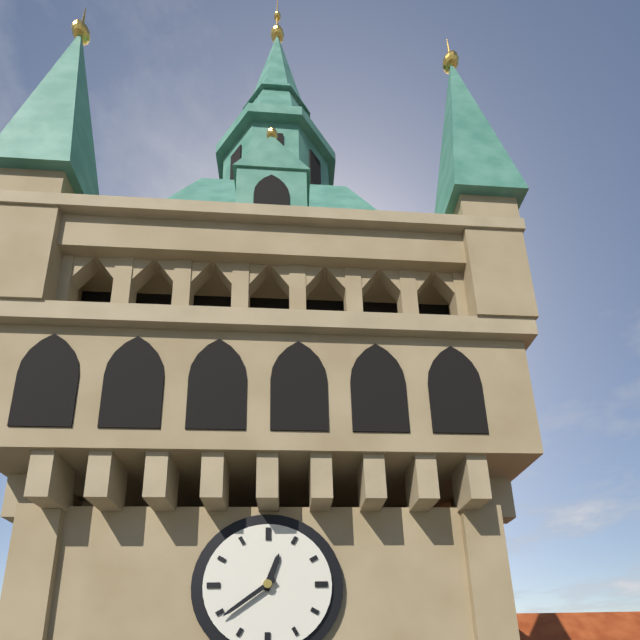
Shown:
12h39
